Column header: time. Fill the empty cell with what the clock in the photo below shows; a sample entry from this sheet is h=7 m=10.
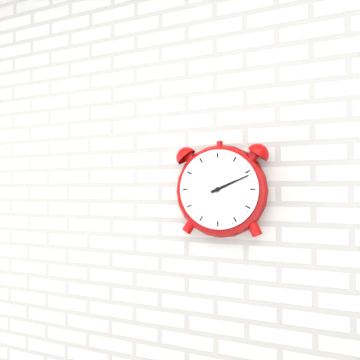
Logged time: h=2 m=11
